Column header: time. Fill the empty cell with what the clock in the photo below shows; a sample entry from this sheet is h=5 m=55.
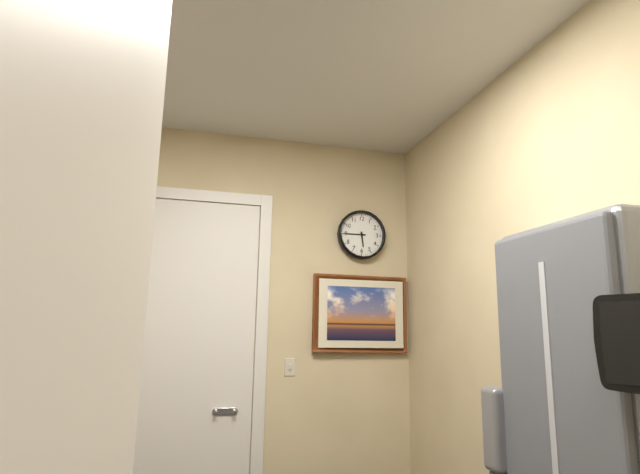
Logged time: h=5 m=45
